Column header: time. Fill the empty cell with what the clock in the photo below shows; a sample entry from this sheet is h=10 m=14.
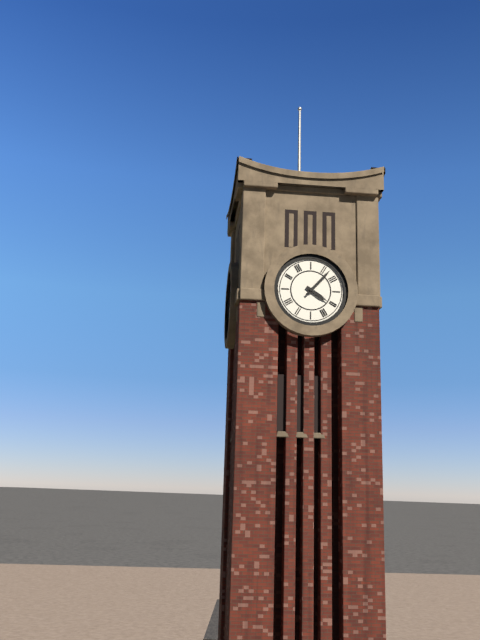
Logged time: h=4 m=7
